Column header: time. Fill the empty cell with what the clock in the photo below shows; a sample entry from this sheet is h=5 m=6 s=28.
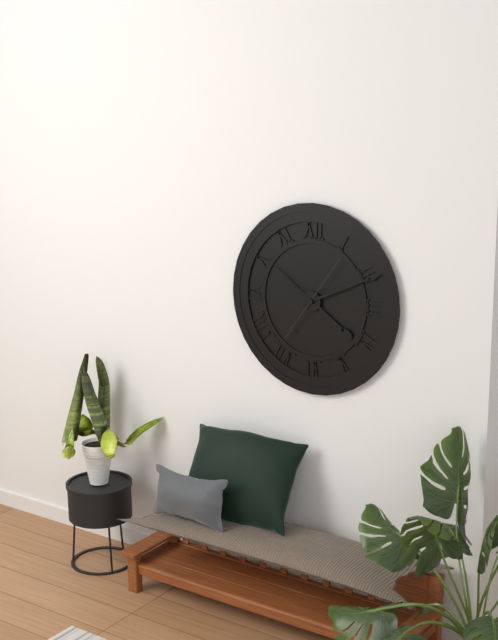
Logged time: h=4 m=11 s=6
